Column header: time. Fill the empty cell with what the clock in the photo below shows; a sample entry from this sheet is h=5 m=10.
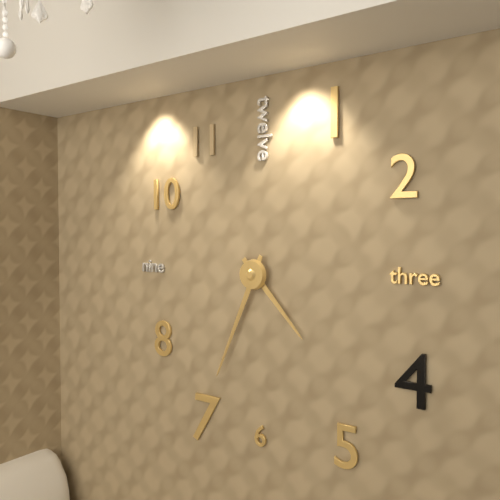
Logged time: h=4 m=34
